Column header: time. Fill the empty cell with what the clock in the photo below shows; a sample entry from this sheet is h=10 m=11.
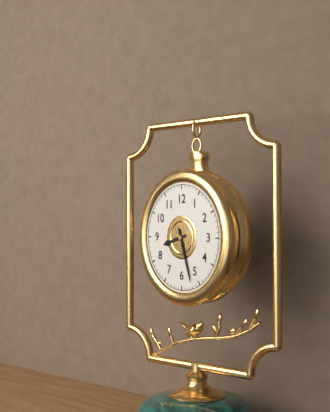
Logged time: h=8 m=27
